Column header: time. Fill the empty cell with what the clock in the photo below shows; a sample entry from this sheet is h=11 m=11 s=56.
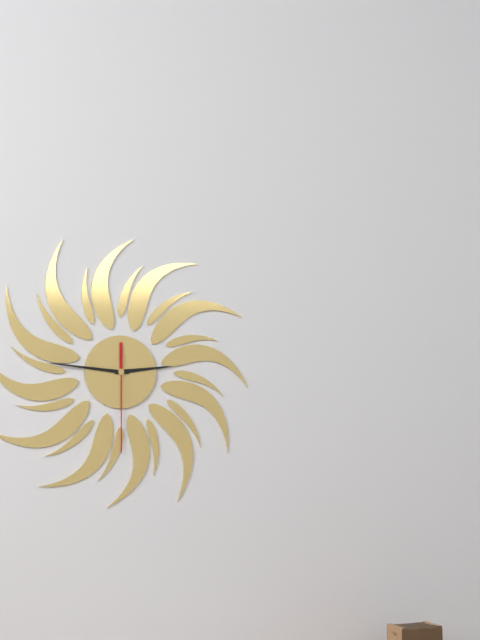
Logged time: h=2 m=46 s=30
